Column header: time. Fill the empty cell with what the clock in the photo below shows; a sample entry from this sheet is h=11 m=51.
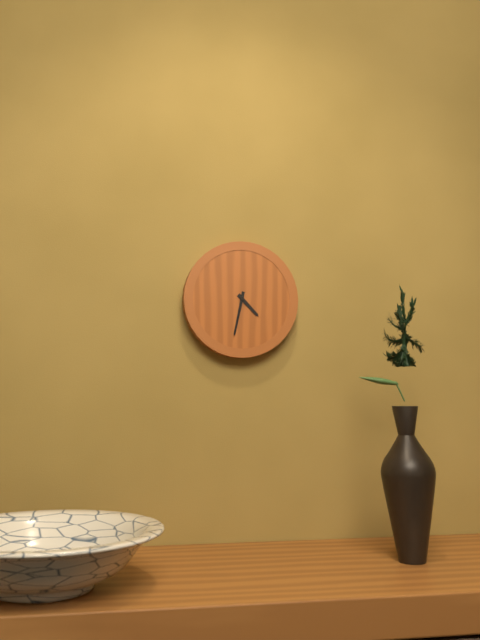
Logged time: h=4 m=32
